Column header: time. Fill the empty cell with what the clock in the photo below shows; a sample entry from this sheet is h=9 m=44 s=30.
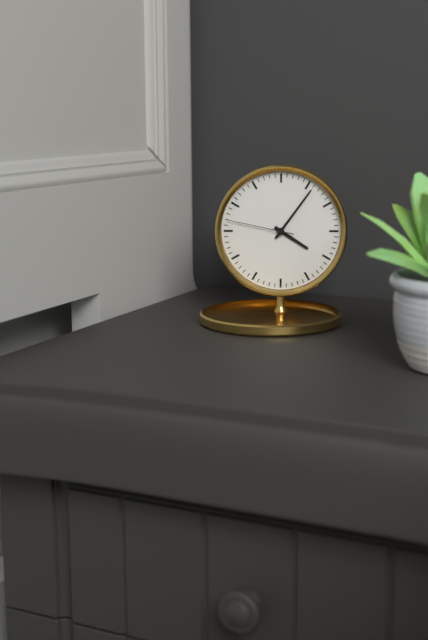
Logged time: h=4 m=6 s=47
